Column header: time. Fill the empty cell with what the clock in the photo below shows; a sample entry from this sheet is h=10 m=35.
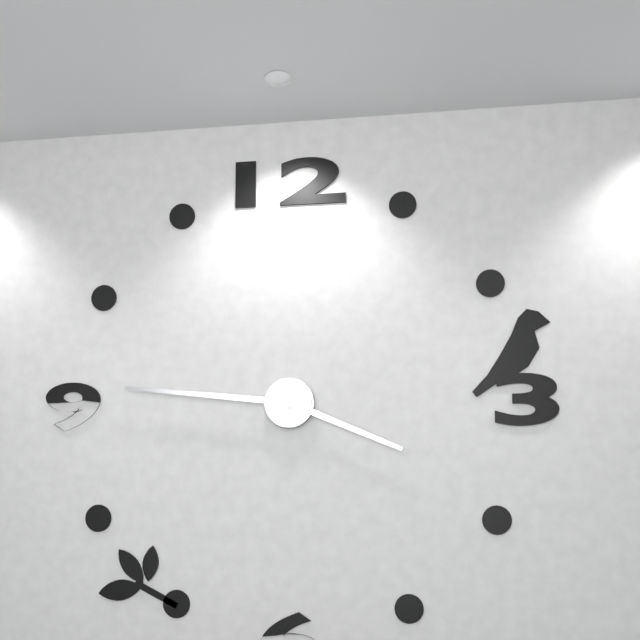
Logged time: h=3 m=46
